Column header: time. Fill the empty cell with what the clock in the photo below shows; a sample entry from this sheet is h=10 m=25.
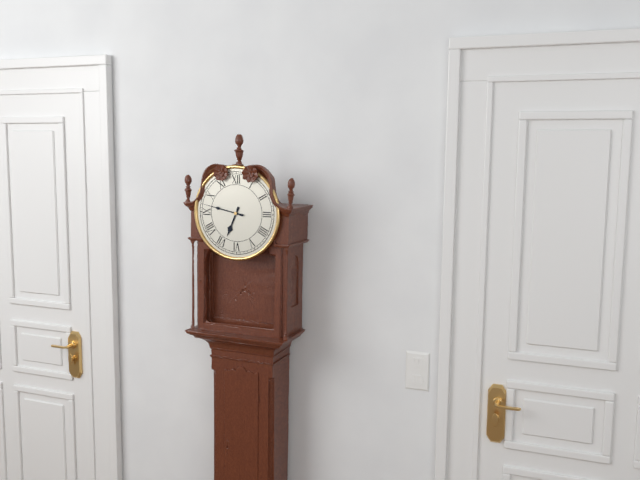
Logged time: h=6 m=47
